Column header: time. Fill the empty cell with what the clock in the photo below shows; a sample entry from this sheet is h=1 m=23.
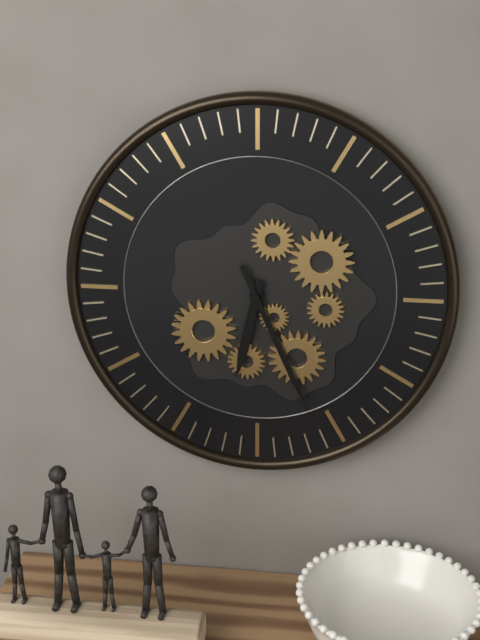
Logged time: h=6 m=26
